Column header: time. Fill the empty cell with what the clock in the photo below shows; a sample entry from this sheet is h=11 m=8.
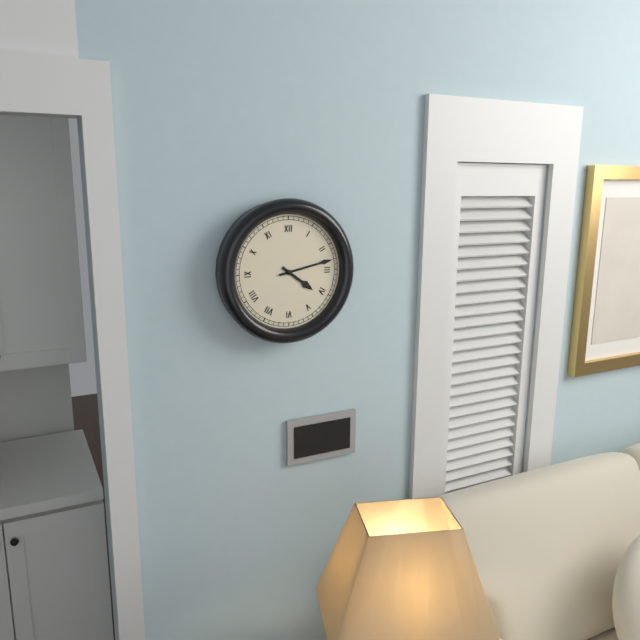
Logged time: h=4 m=13
